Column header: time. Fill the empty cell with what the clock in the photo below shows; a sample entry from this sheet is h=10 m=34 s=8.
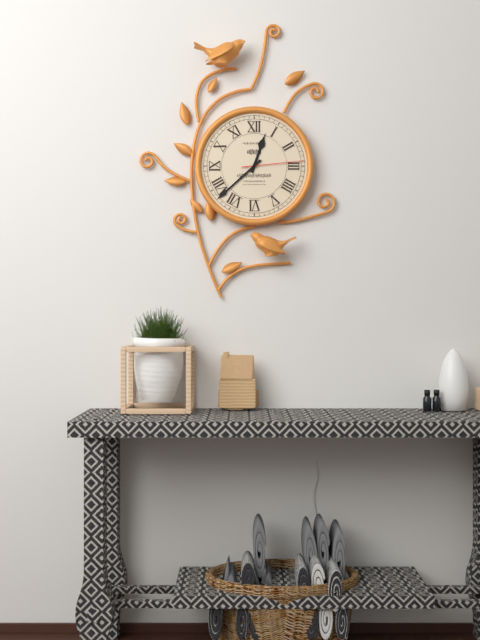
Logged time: h=12 m=38 s=14
